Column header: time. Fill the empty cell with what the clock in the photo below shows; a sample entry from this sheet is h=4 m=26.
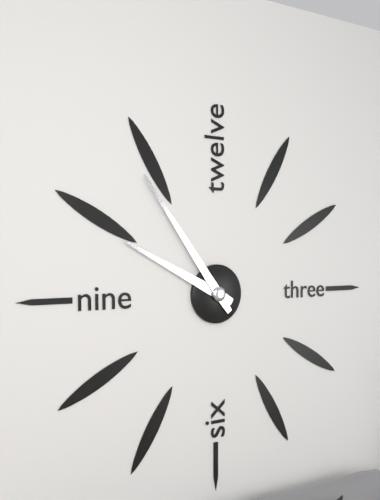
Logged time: h=9 m=54
